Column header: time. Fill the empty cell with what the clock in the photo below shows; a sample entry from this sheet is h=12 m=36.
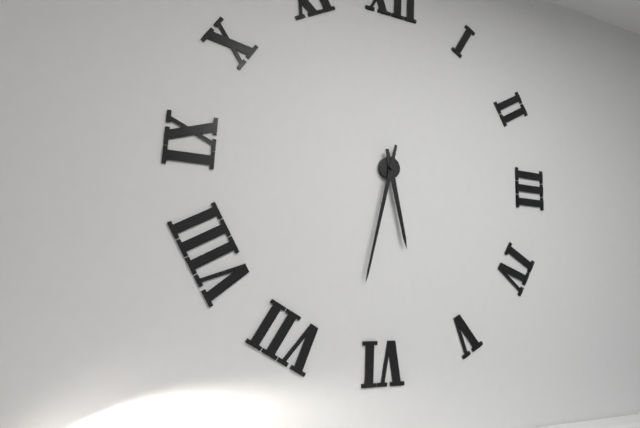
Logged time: h=5 m=32
